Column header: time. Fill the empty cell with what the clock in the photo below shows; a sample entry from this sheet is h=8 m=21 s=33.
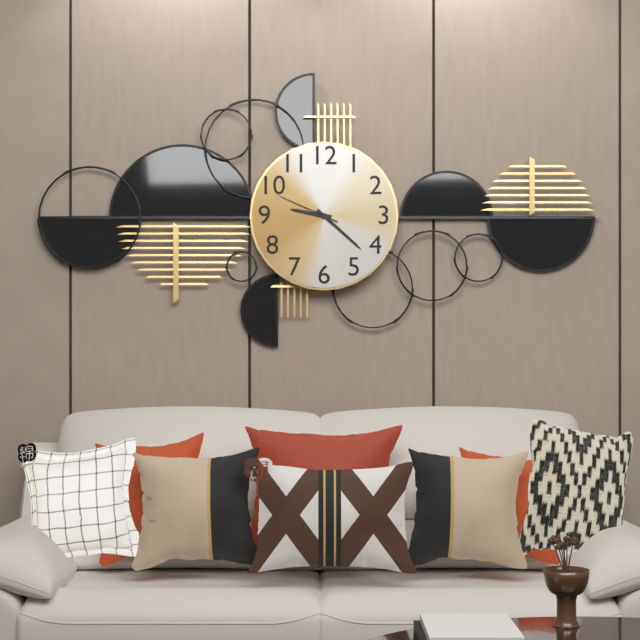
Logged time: h=9 m=22 s=49
